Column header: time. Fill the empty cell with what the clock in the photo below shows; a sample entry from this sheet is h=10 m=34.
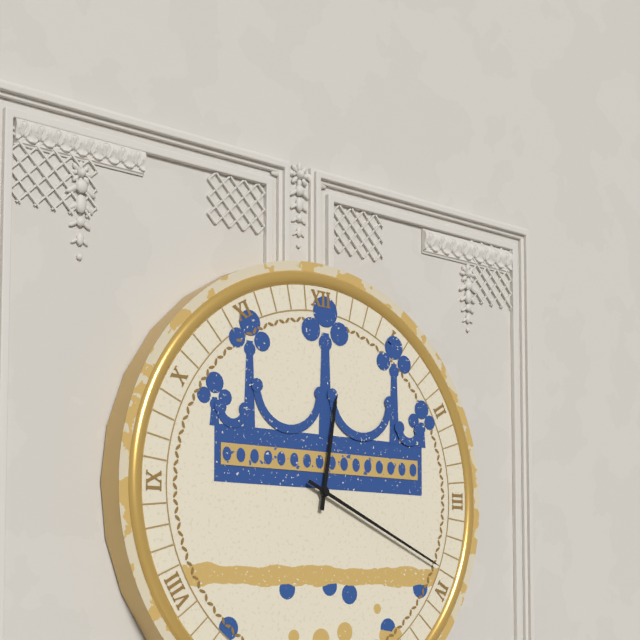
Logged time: h=12 m=19
